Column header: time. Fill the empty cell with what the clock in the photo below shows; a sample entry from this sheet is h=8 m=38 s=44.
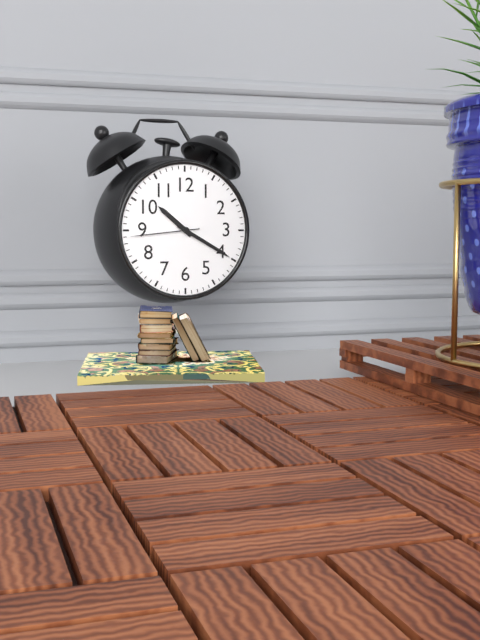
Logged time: h=10 m=20 s=44
